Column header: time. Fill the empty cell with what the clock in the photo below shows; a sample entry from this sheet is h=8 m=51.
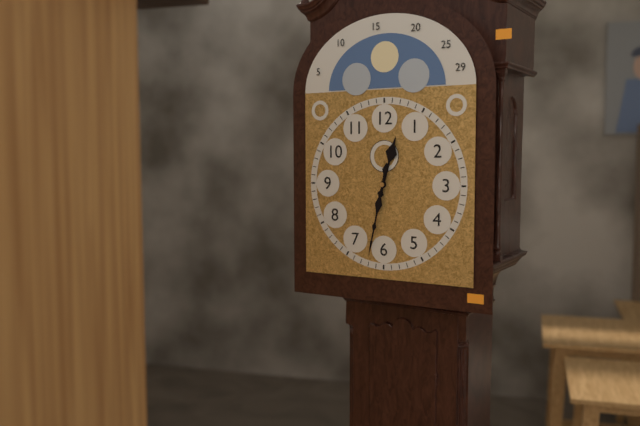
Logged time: h=12 m=32
